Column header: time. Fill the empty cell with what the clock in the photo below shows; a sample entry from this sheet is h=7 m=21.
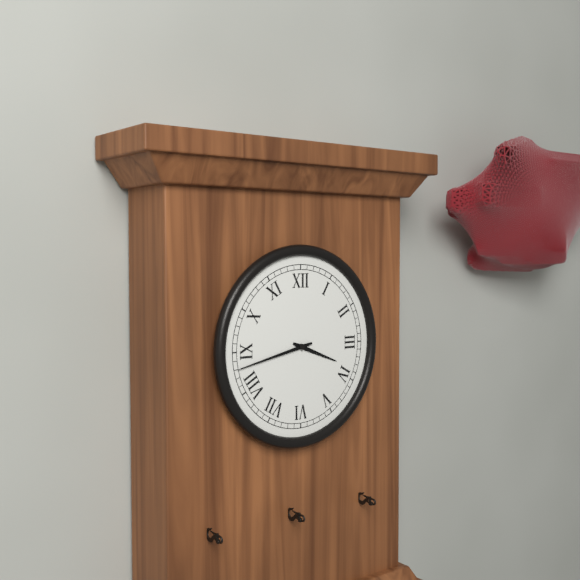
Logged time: h=3 m=43
